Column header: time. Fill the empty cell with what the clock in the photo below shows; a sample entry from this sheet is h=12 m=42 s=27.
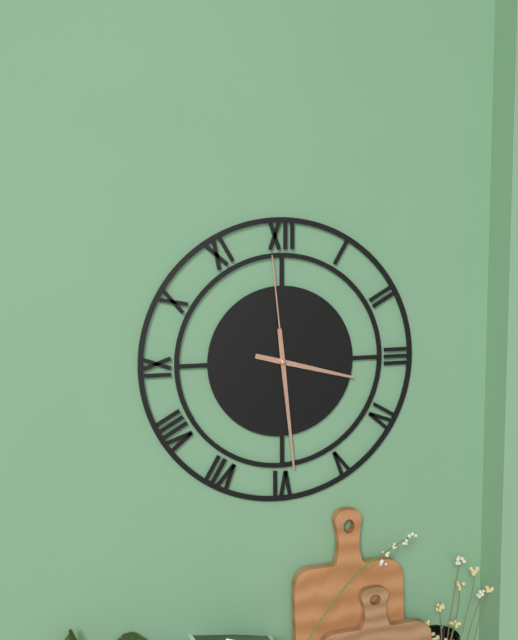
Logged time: h=3 m=29 s=59
